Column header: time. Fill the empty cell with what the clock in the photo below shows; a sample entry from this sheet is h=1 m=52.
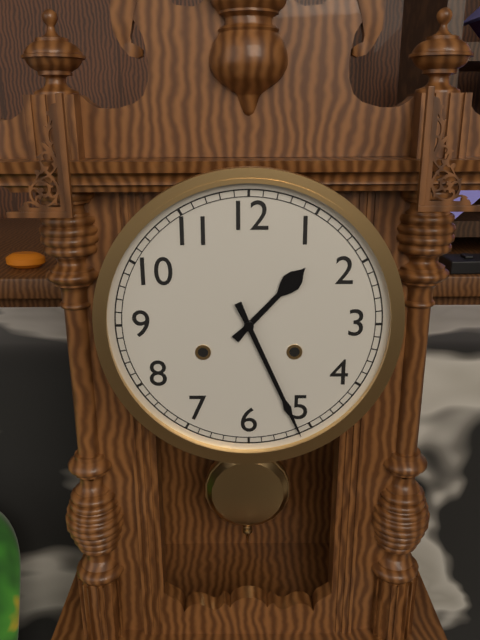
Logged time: h=1 m=26
